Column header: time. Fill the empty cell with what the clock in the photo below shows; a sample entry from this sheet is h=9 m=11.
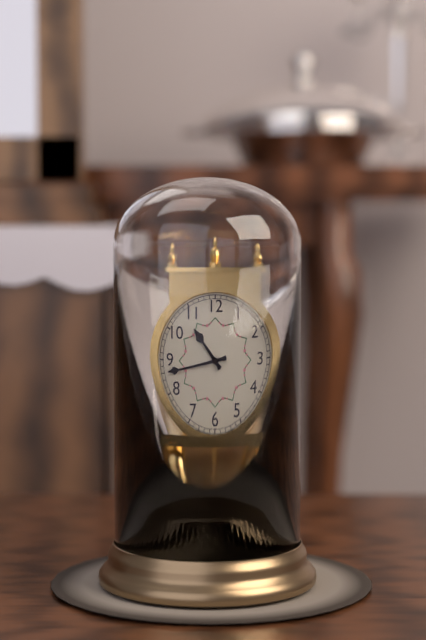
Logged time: h=10 m=43
